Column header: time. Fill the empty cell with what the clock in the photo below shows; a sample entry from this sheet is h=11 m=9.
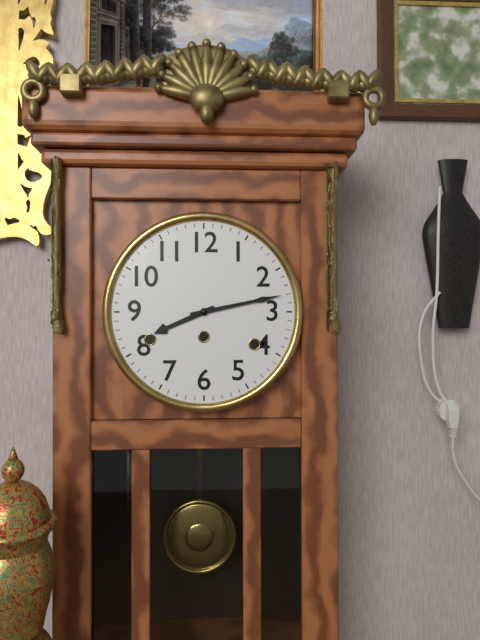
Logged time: h=8 m=13
